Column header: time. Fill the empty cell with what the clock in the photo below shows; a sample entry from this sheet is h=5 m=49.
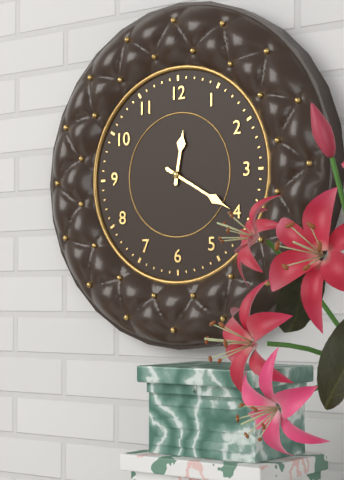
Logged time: h=12 m=20
